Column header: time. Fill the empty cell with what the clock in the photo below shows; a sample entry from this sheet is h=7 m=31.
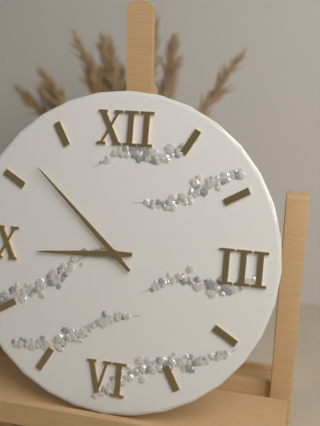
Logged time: h=8 m=52
